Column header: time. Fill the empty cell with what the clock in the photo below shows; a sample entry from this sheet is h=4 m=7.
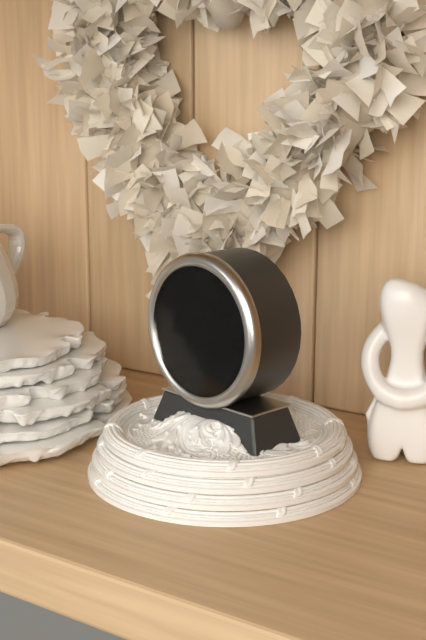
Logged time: h=3 m=35
